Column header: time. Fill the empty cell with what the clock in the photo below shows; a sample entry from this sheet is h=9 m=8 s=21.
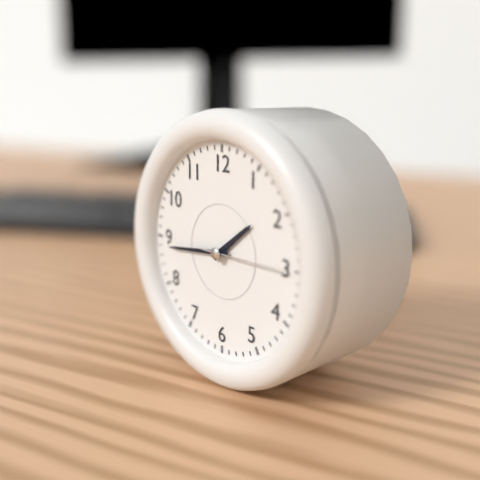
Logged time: h=1 m=44 s=15
